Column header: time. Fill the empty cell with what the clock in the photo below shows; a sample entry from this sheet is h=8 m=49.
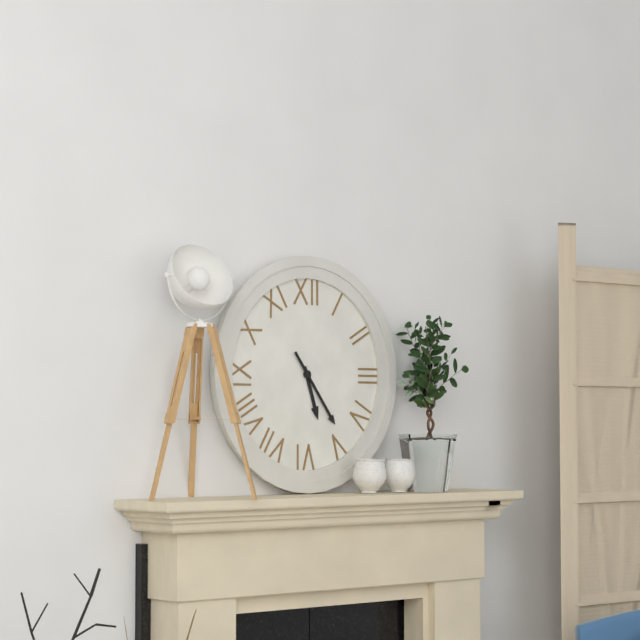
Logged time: h=5 m=24
